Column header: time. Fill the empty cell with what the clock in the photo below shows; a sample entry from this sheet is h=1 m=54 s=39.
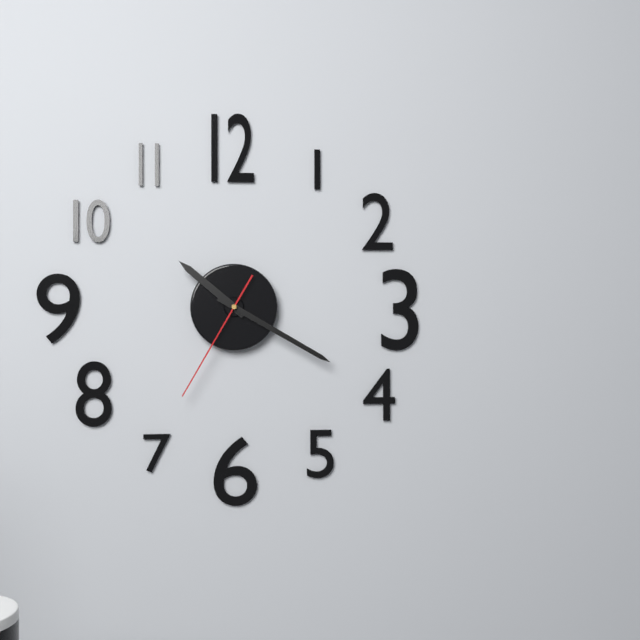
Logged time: h=10 m=20 s=35
